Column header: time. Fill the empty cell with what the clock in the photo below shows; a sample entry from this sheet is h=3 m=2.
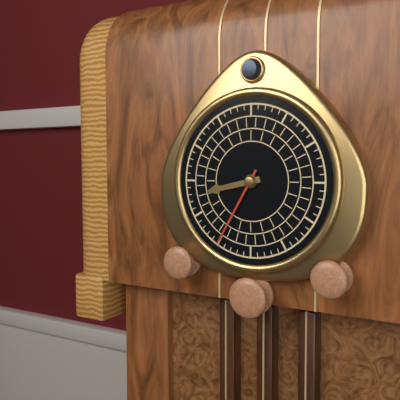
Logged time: h=8 m=35
